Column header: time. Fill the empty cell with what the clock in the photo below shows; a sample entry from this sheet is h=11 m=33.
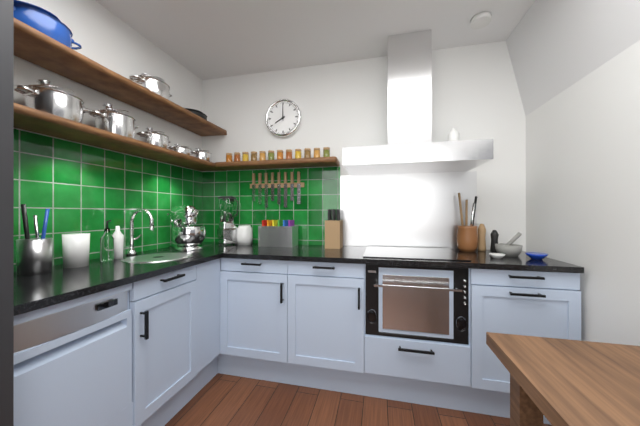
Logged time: h=8 m=0
